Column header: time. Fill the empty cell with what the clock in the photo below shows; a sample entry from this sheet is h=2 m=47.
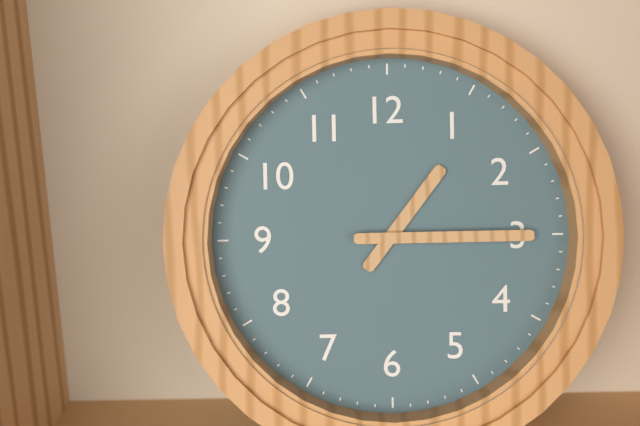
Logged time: h=1 m=15
